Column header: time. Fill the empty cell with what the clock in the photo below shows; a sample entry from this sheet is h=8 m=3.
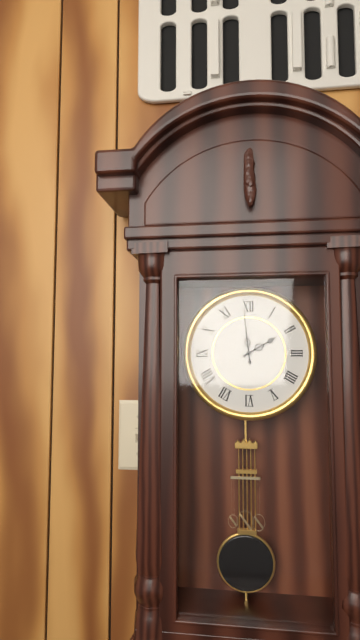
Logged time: h=1 m=59
